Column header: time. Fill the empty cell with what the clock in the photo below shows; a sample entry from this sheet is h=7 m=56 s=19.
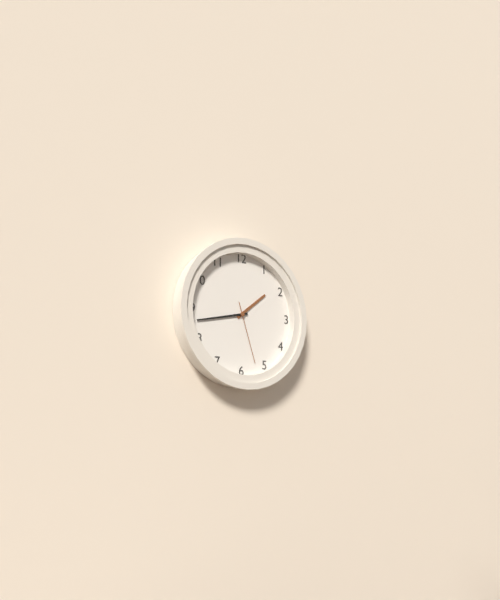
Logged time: h=1 m=43 s=27
